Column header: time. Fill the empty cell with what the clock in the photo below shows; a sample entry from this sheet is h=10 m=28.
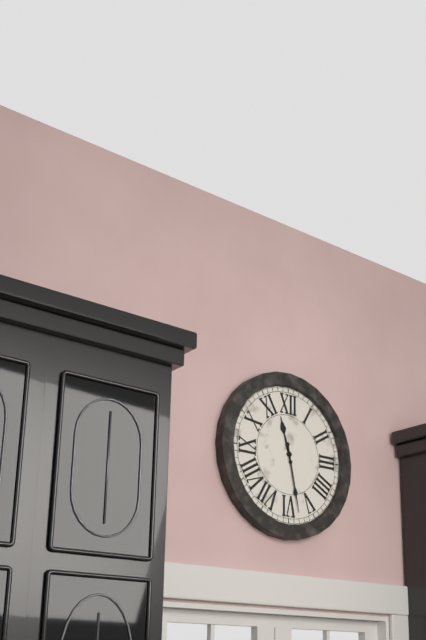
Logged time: h=11 m=28
